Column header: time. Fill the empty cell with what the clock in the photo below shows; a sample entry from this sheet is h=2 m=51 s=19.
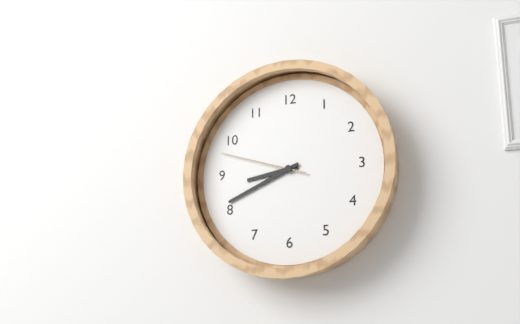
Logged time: h=8 m=41 s=48
